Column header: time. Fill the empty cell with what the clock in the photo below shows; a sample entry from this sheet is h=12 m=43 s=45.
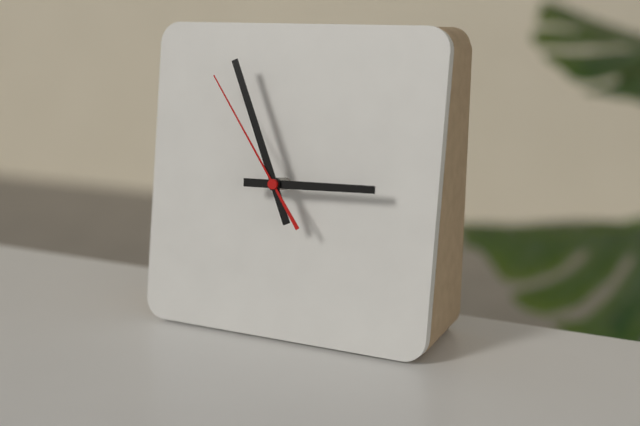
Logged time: h=2 m=56 s=54
